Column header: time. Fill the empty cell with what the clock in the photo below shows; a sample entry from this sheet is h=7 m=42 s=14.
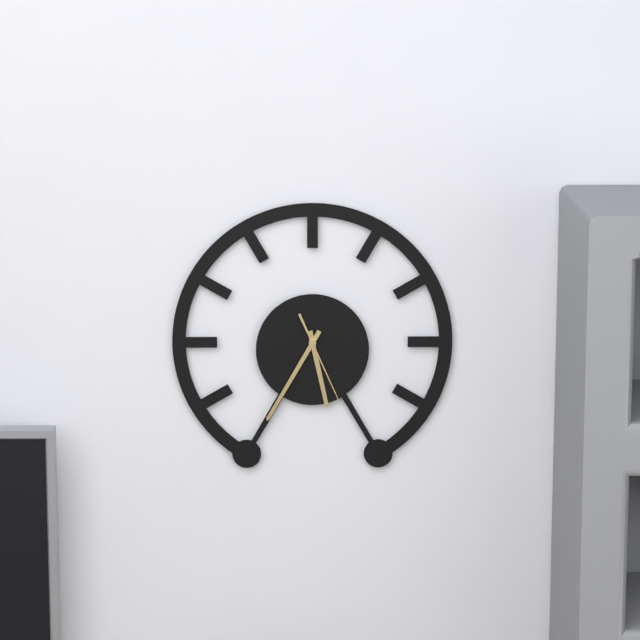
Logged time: h=5 m=35 s=26
